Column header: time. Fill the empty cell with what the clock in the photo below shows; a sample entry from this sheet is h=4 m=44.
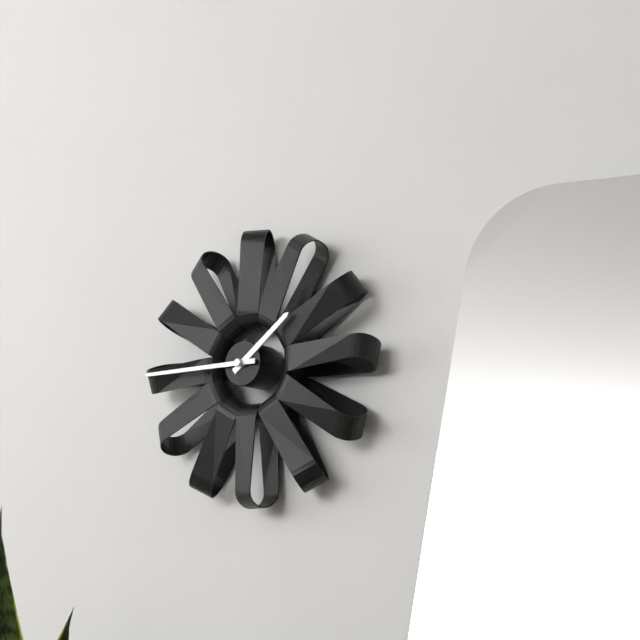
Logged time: h=1 m=45
